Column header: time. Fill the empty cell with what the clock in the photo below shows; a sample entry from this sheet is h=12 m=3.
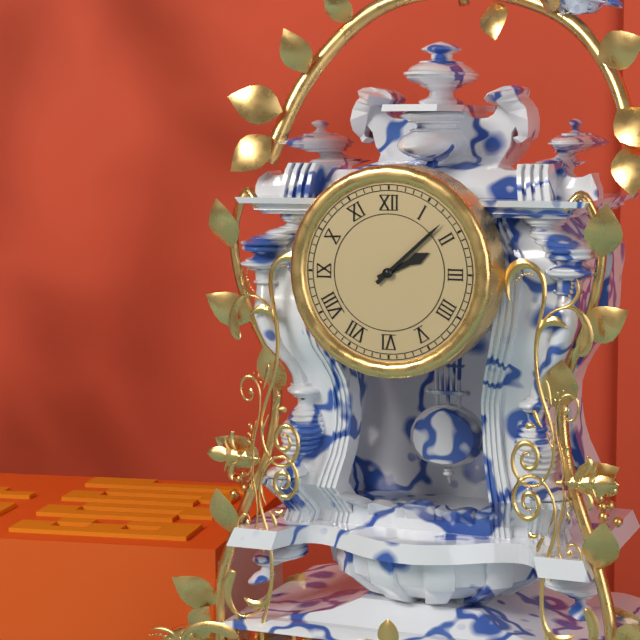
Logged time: h=2 m=8
